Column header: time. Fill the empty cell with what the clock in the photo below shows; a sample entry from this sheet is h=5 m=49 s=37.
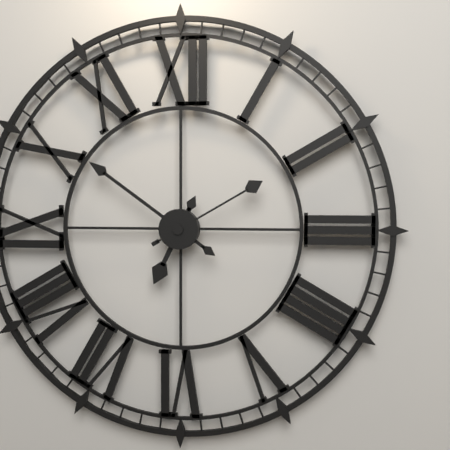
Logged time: h=6 m=51 s=10
